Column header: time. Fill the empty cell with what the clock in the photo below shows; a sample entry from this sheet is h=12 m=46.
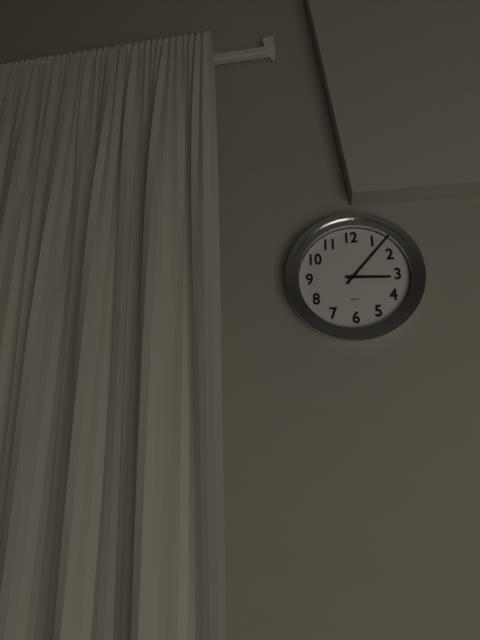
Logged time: h=3 m=7
